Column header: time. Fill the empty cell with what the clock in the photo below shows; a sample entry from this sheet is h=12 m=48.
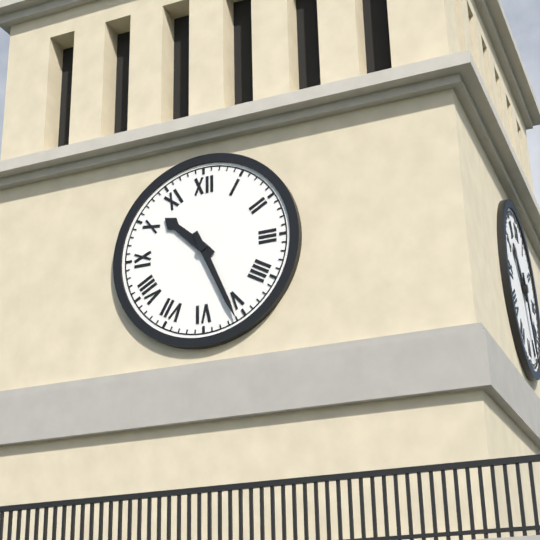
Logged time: h=10 m=26
